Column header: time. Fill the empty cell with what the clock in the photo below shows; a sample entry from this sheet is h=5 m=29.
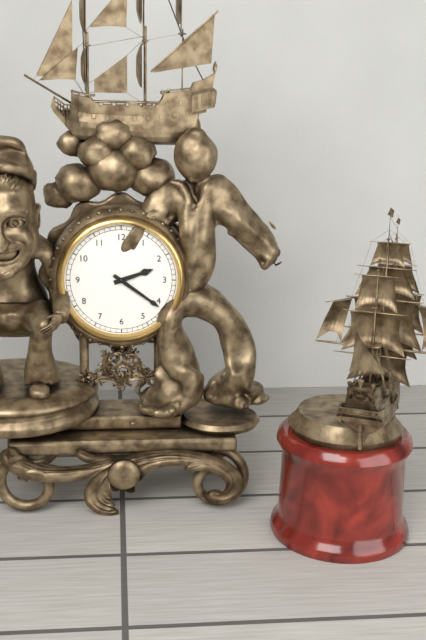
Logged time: h=2 m=21
